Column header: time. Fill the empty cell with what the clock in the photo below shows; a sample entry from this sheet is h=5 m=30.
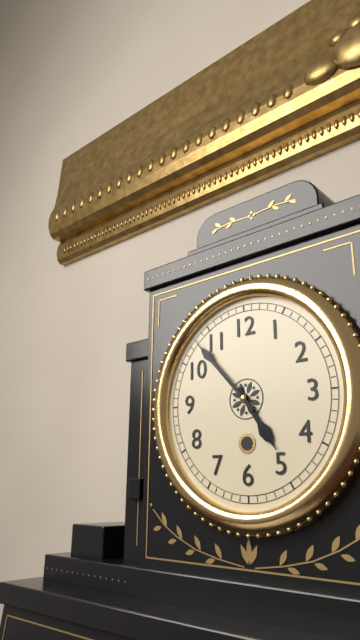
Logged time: h=4 m=53
